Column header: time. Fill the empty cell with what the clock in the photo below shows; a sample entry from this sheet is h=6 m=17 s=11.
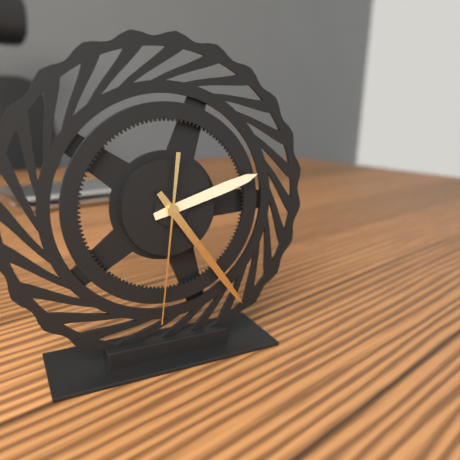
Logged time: h=2 m=24 s=31
